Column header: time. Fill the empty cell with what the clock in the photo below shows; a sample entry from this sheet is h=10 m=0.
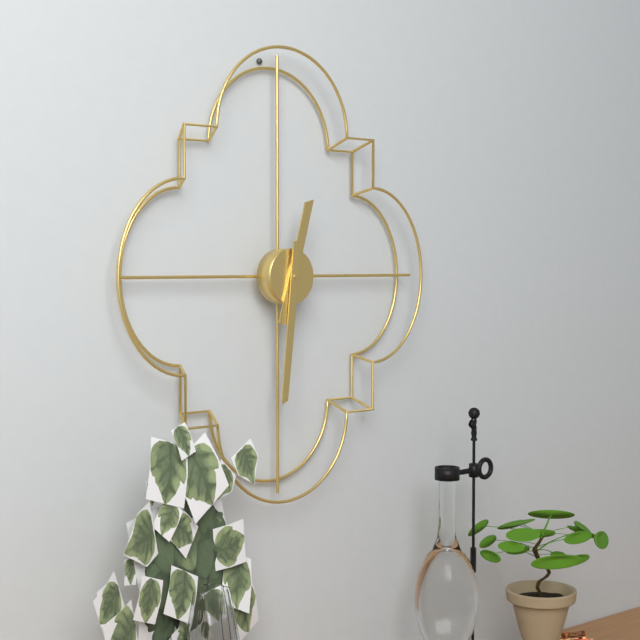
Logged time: h=12 m=31
